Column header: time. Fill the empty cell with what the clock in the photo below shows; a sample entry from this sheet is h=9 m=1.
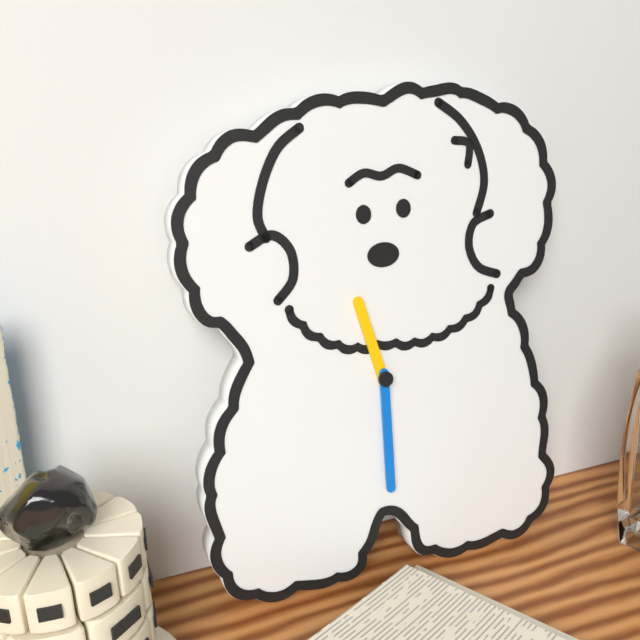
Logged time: h=11 m=30
